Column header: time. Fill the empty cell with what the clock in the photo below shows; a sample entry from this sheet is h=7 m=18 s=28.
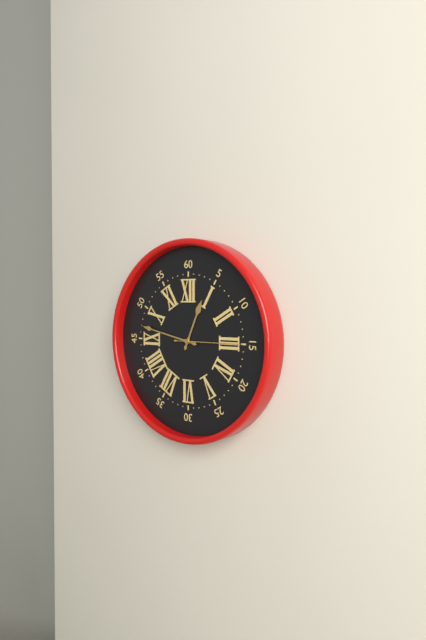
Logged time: h=12 m=47 s=15
